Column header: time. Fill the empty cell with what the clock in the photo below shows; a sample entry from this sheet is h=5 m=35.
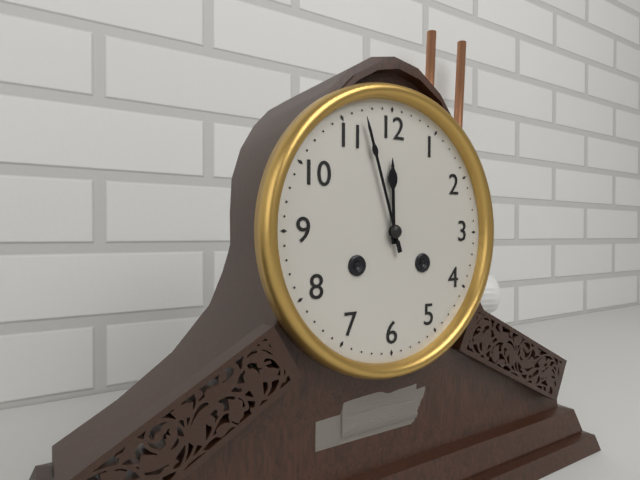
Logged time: h=11 m=57
